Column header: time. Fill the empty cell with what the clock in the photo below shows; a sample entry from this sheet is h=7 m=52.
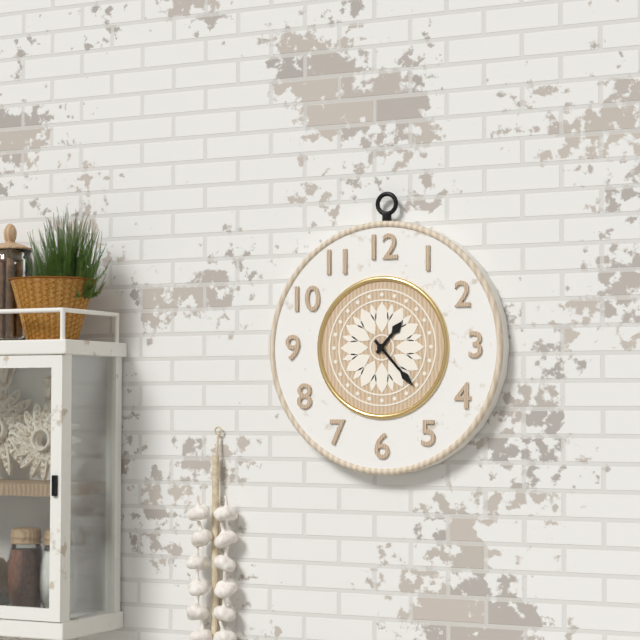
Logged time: h=1 m=23
